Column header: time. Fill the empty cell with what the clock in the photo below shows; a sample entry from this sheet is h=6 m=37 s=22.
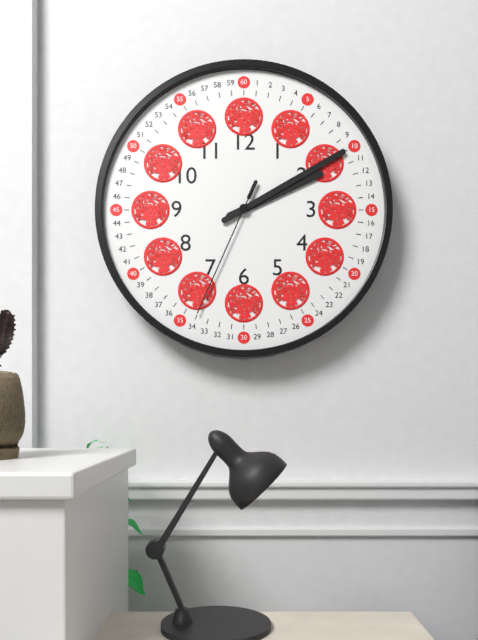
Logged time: h=2 m=10 s=34
